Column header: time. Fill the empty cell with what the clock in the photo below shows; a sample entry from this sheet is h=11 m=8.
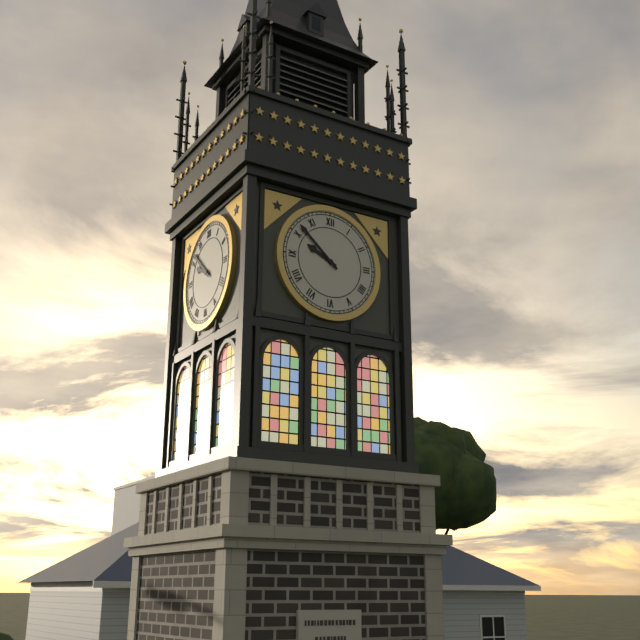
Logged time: h=9 m=52
